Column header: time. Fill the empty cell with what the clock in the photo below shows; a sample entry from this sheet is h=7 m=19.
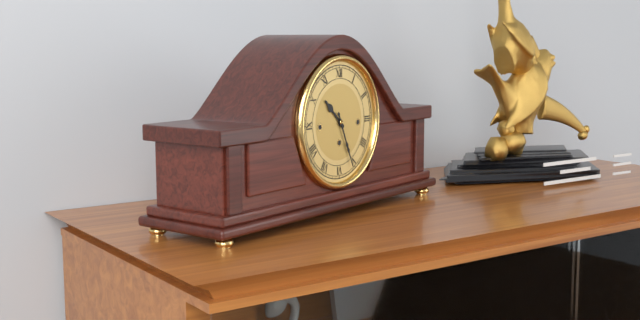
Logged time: h=10 m=26
